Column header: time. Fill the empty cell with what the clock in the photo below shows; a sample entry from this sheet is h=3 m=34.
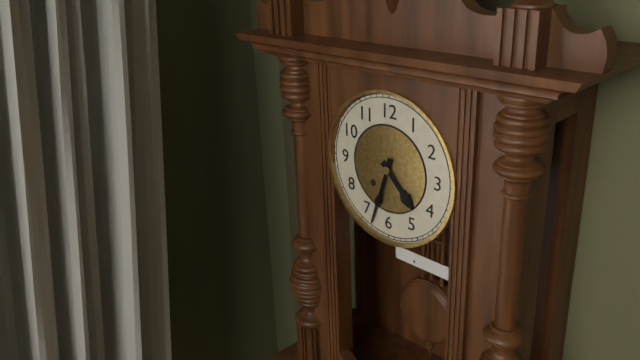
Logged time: h=4 m=33
